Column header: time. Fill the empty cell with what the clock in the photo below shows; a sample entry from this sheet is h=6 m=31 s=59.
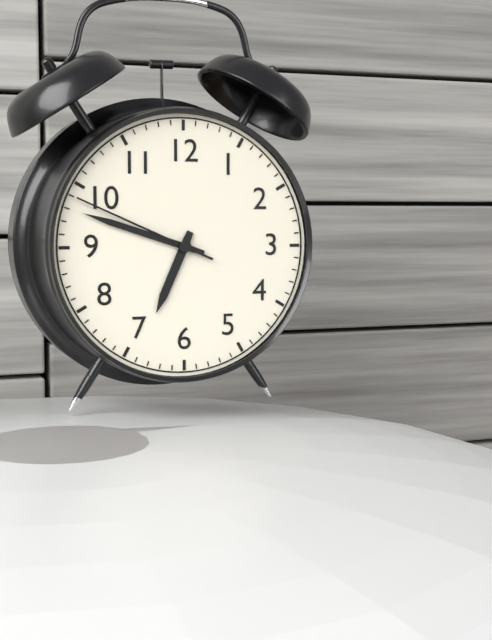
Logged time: h=6 m=48 s=49
